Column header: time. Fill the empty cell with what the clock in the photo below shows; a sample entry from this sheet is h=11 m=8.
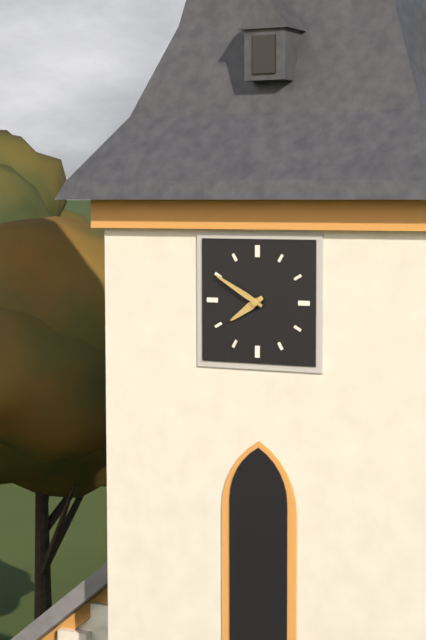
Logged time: h=7 m=50
